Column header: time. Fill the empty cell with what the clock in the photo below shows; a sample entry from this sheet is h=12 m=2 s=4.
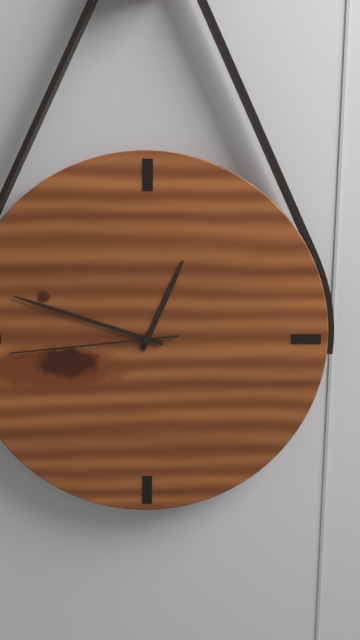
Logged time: h=12 m=48 s=44
